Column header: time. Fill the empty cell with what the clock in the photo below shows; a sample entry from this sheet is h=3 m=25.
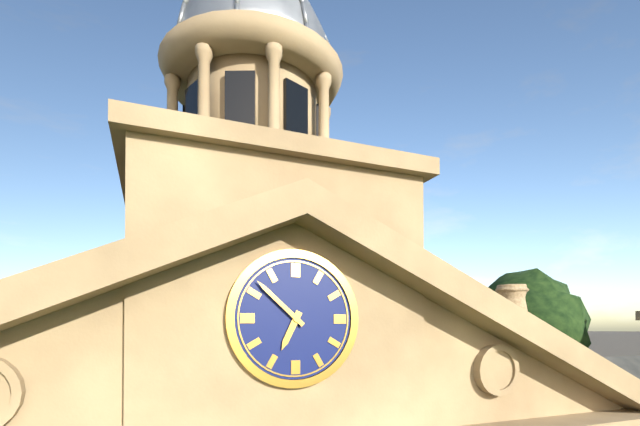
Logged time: h=6 m=52
